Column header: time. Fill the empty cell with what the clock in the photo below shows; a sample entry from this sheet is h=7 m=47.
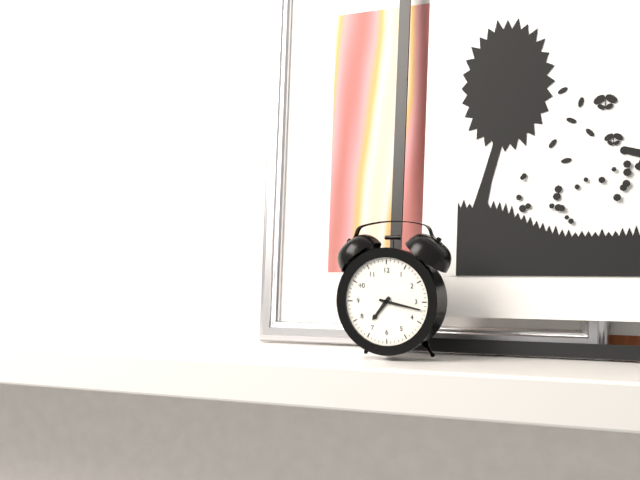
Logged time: h=7 m=17
